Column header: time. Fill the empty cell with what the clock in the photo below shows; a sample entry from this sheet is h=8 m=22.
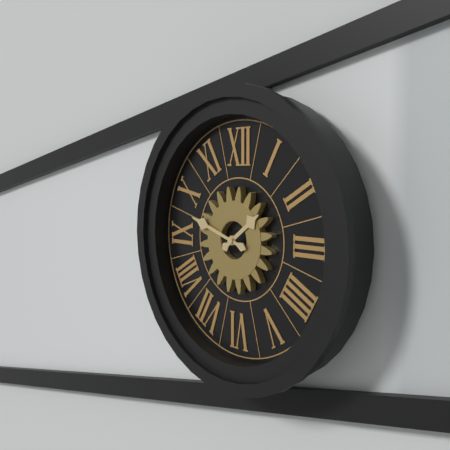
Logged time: h=1 m=48
